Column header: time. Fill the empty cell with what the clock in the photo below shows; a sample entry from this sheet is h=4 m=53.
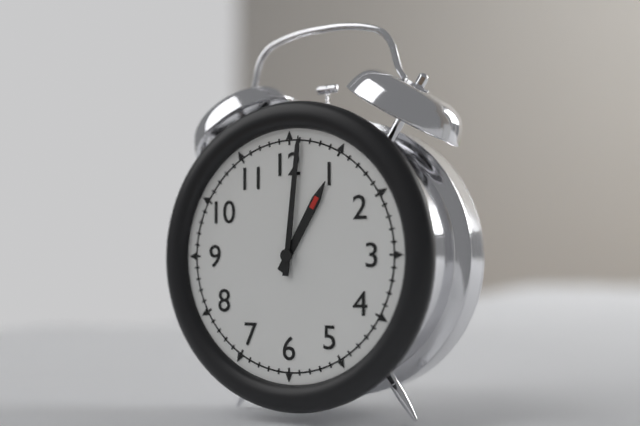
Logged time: h=1 m=1
